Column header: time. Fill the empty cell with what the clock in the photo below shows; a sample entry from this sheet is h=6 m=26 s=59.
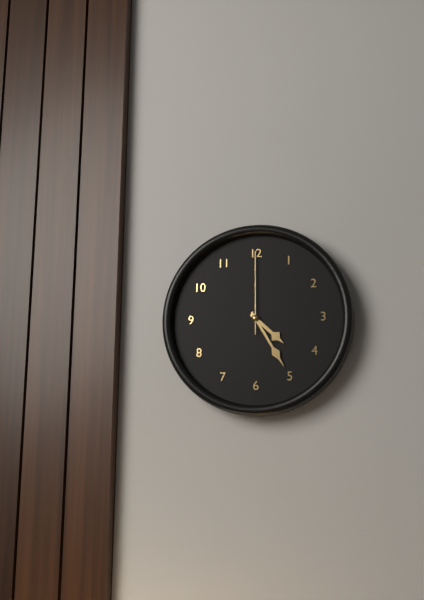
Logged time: h=4 m=25 s=0
